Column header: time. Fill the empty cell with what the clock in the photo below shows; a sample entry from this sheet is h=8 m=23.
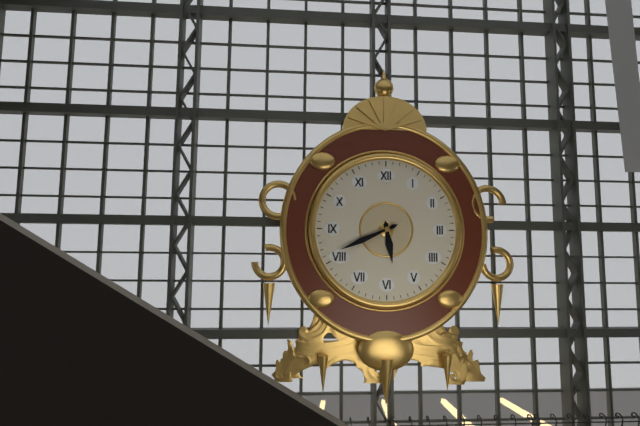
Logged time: h=5 m=41
